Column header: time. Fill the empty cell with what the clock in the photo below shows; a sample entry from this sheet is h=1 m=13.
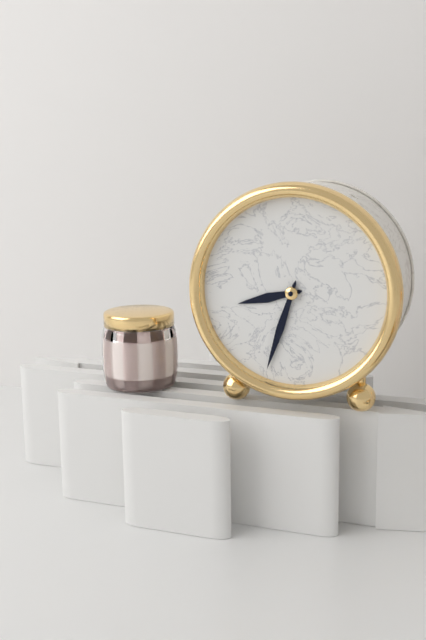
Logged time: h=8 m=33
